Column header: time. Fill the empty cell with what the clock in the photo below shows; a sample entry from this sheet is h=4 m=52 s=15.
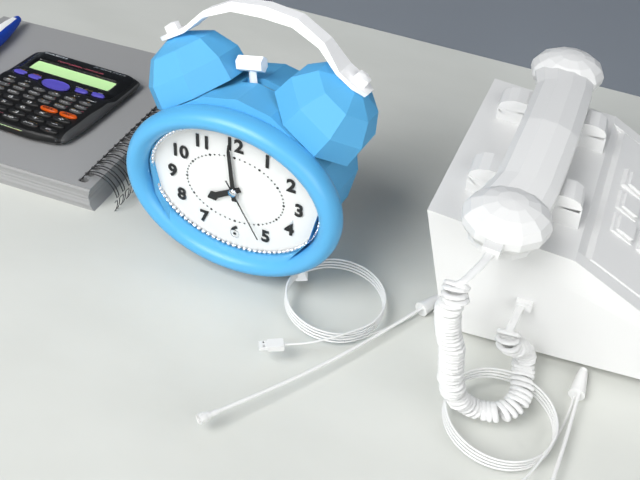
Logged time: h=7 m=59 s=25
